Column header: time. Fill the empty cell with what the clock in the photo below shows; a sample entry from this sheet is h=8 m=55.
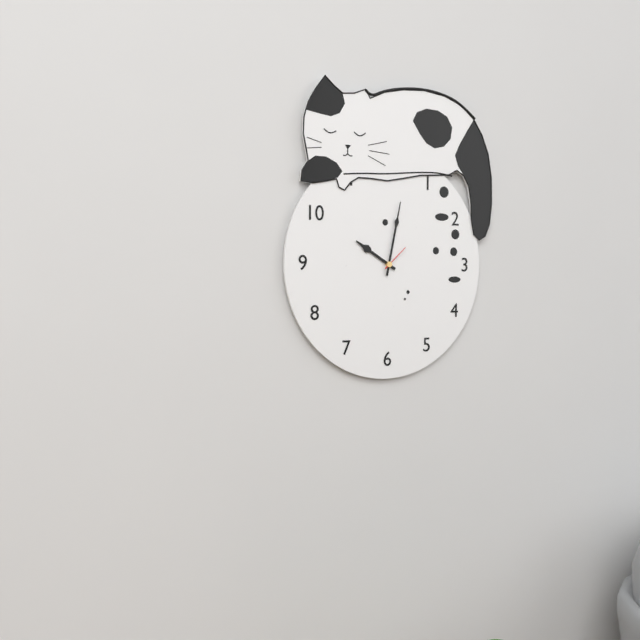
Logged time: h=10 m=2
